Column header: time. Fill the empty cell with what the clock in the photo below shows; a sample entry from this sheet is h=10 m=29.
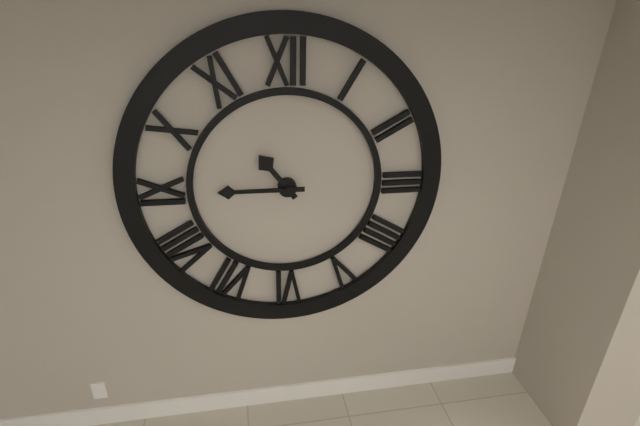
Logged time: h=10 m=45
